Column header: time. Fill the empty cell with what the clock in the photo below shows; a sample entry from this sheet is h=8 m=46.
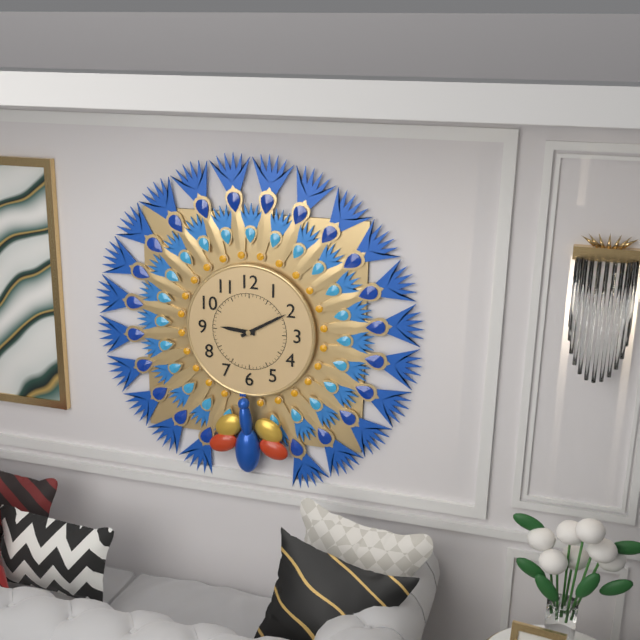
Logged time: h=9 m=10
